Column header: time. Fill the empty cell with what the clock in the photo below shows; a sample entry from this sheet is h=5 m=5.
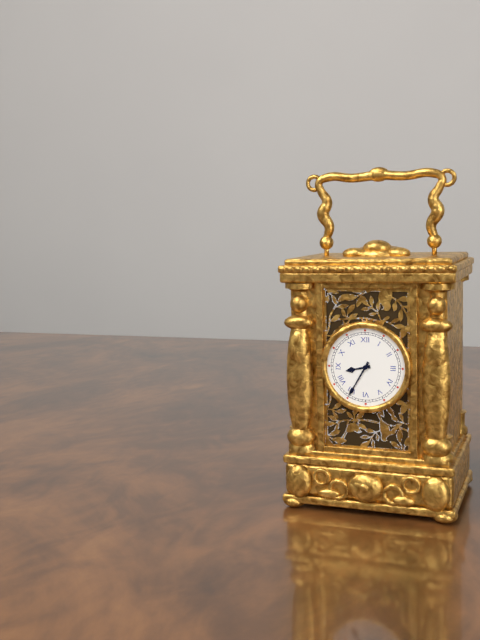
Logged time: h=8 m=35
